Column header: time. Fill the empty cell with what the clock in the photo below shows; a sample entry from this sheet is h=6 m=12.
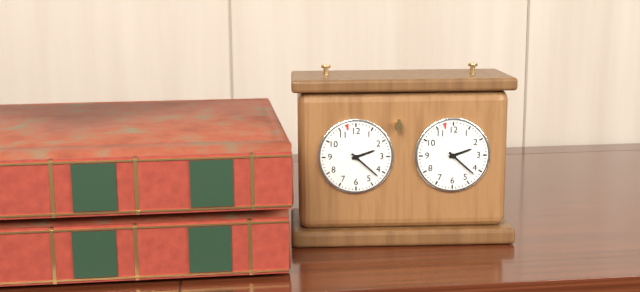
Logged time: h=2 m=22
